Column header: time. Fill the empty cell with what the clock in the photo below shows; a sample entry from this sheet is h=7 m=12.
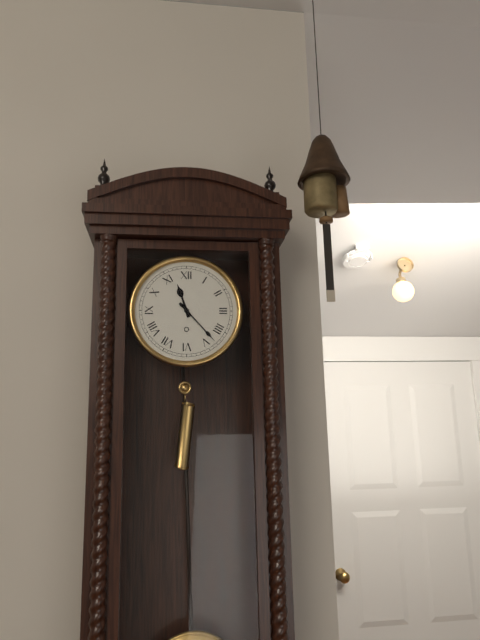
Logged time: h=11 m=23
